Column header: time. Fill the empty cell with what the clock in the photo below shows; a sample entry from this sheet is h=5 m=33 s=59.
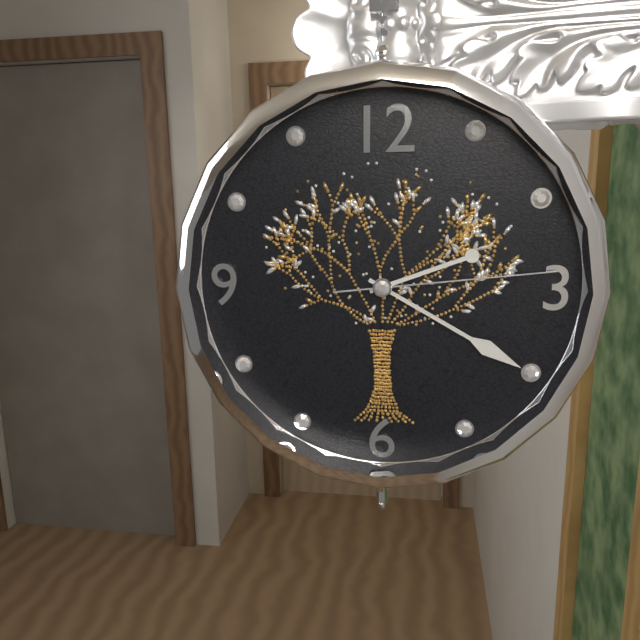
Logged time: h=2 m=20 s=14
